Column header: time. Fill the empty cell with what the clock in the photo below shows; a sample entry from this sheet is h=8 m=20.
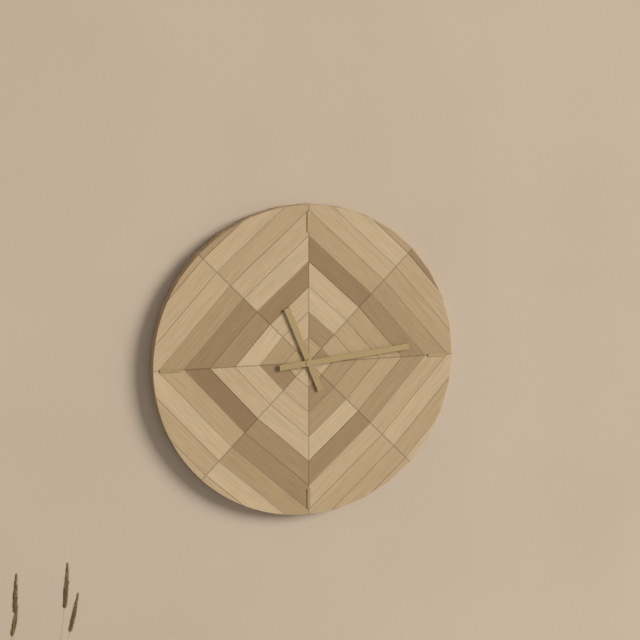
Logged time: h=11 m=14
